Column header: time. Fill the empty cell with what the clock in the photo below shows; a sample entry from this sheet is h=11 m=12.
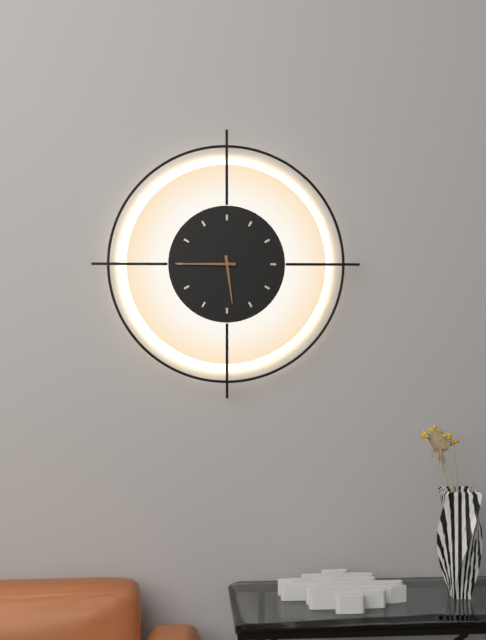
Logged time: h=5 m=45
